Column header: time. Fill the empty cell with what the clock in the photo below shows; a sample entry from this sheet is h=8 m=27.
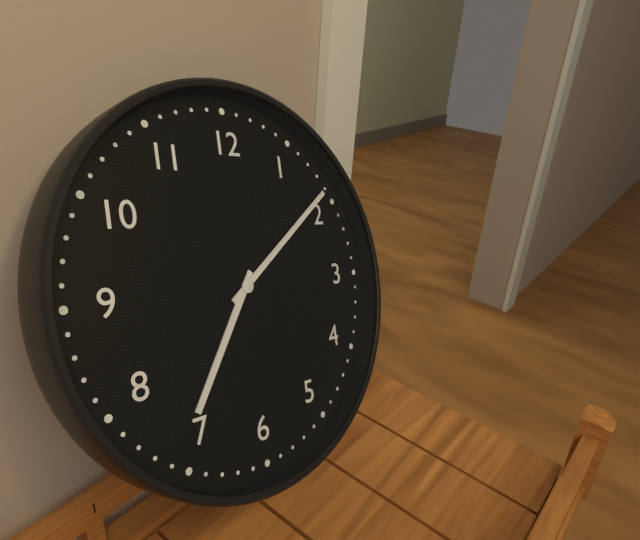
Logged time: h=7 m=9
